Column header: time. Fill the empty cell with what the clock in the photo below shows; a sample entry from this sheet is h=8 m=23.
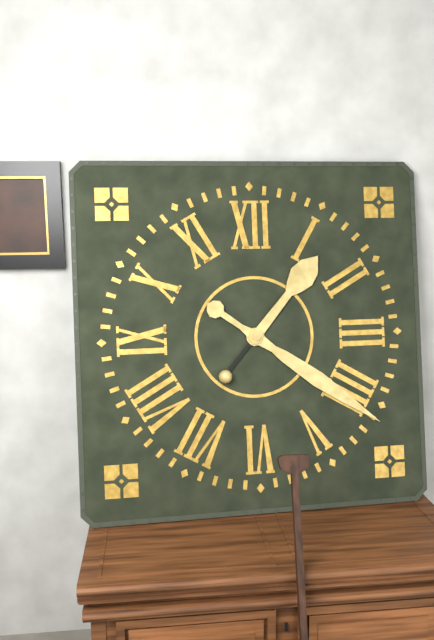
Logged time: h=1 m=21
